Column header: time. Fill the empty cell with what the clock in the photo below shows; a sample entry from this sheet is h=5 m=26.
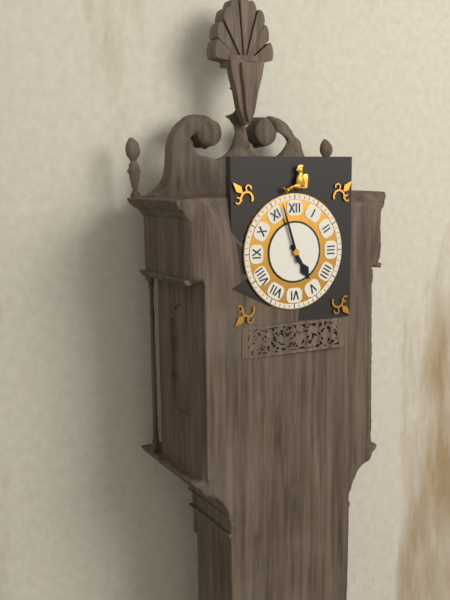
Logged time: h=4 m=57
